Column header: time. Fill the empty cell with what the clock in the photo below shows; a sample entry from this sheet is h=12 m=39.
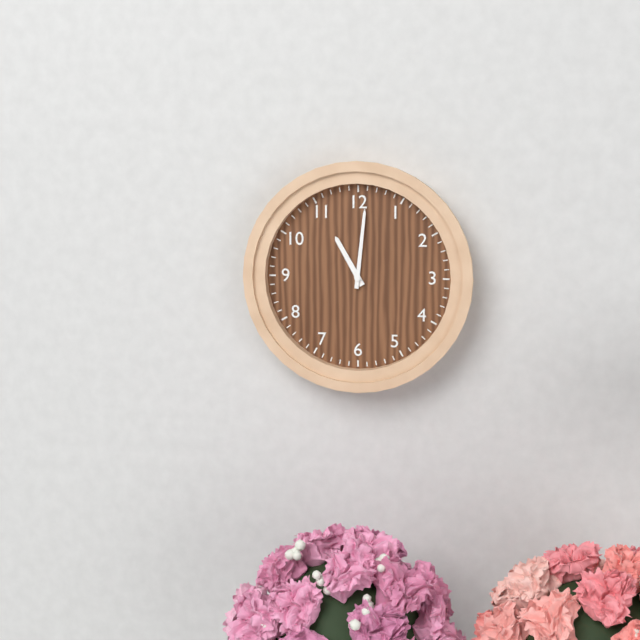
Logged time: h=11 m=1
